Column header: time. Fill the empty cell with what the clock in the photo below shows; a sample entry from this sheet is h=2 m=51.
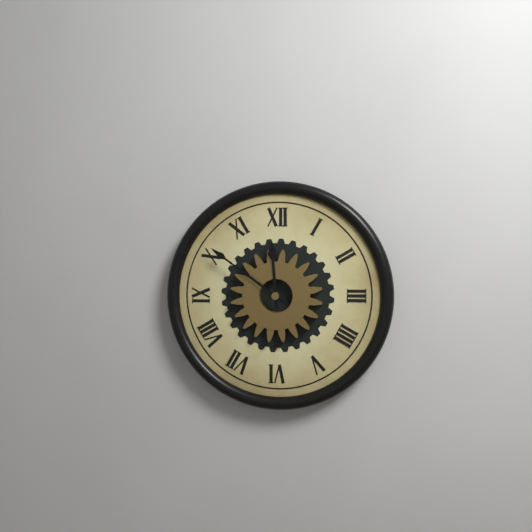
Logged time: h=11 m=51
